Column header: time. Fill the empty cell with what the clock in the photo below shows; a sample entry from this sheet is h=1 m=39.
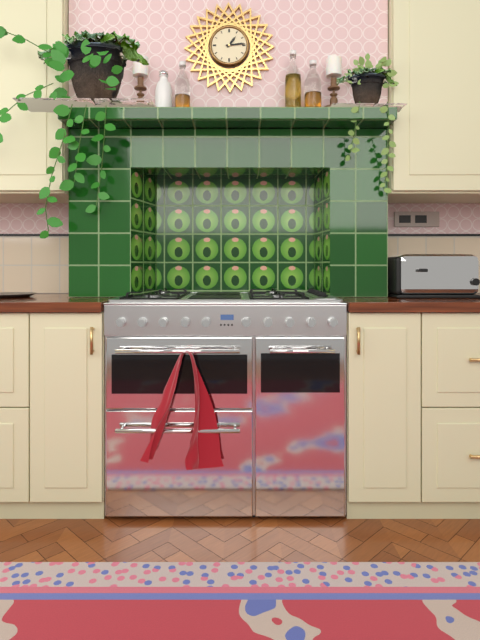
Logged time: h=1 m=14
